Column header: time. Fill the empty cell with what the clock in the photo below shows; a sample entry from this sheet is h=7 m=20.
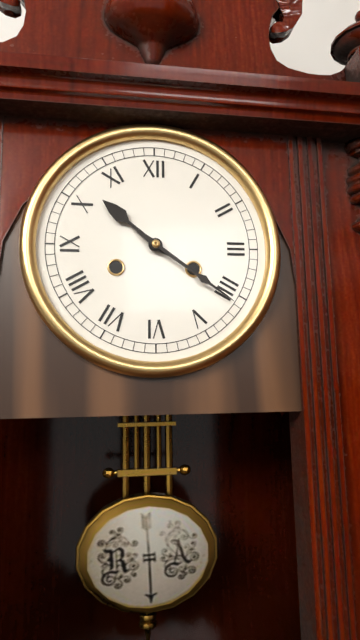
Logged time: h=10 m=21
